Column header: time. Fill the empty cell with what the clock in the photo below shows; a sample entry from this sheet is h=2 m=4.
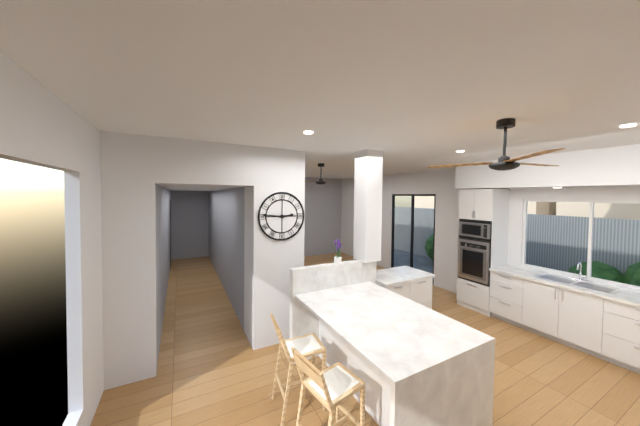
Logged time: h=2 m=46
